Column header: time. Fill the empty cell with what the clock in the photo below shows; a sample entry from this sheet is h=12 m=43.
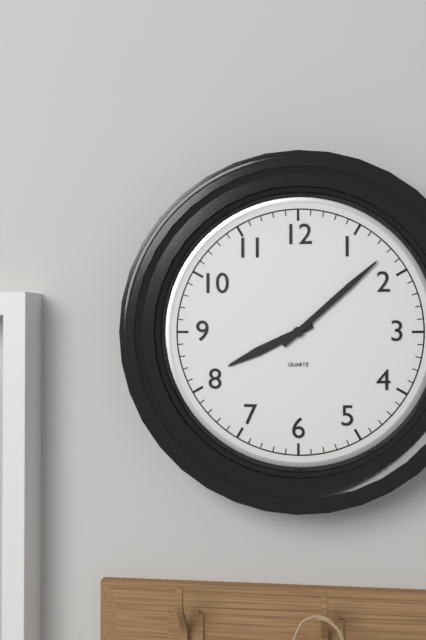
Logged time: h=8 m=8
